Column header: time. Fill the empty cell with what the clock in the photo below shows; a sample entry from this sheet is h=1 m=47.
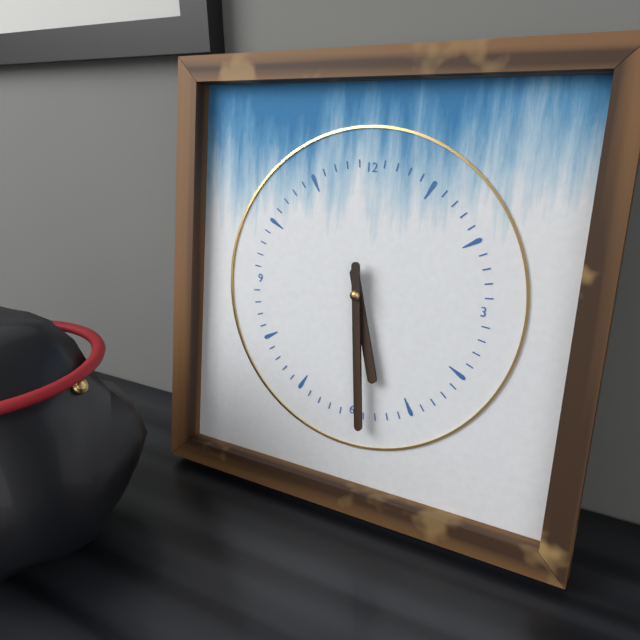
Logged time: h=5 m=29
